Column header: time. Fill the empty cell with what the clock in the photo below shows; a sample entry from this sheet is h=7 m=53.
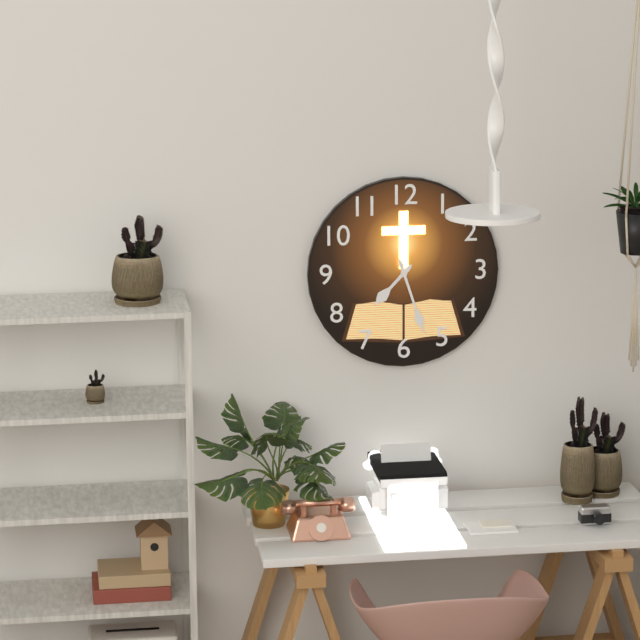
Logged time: h=7 m=27
